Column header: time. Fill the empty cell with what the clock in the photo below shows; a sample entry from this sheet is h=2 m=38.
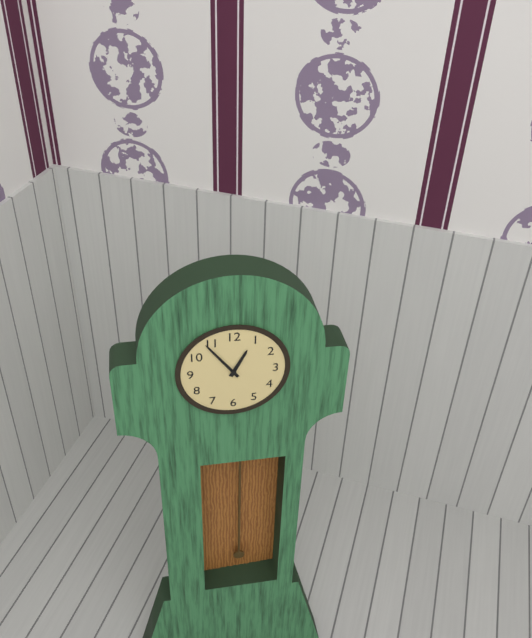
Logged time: h=12 m=54
